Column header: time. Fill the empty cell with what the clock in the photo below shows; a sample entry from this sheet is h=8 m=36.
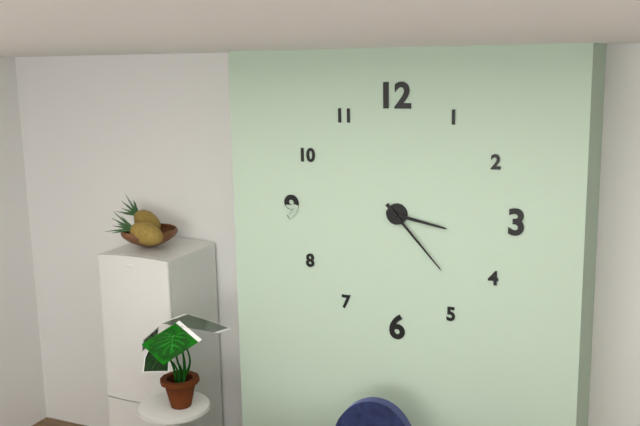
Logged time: h=3 m=23
